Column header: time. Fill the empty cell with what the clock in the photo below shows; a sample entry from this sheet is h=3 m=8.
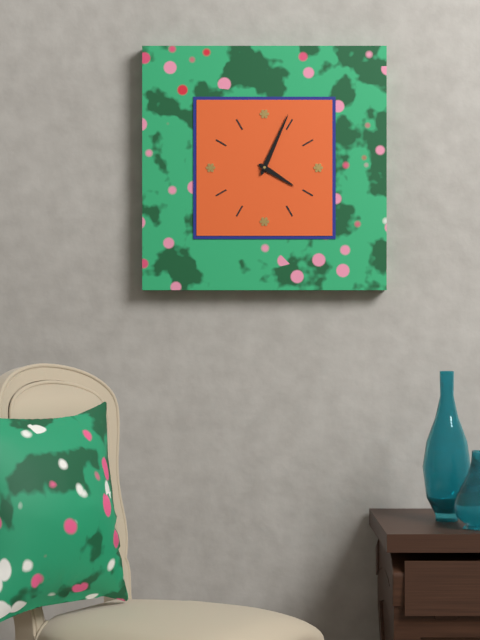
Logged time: h=4 m=4
